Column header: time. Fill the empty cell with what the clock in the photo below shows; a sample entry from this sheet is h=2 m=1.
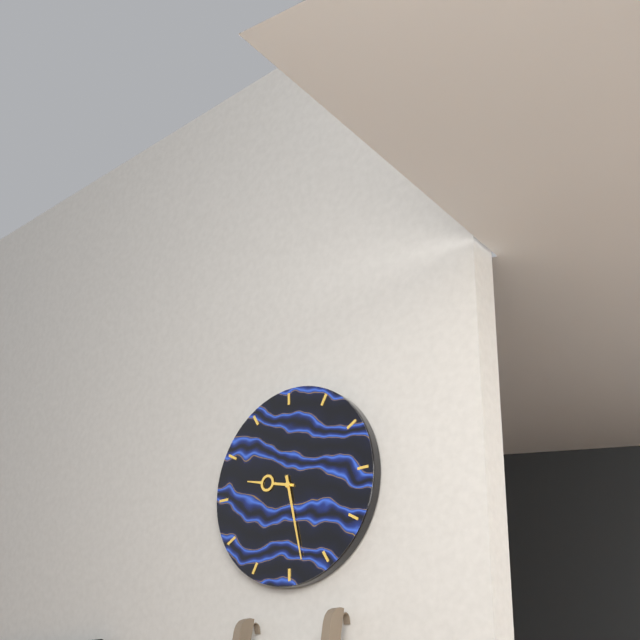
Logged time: h=9 m=28
